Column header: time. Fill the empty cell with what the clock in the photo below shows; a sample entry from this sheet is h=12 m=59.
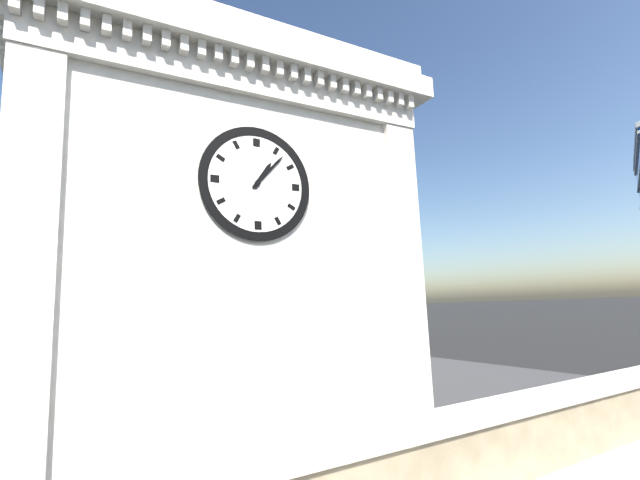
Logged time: h=1 m=7
